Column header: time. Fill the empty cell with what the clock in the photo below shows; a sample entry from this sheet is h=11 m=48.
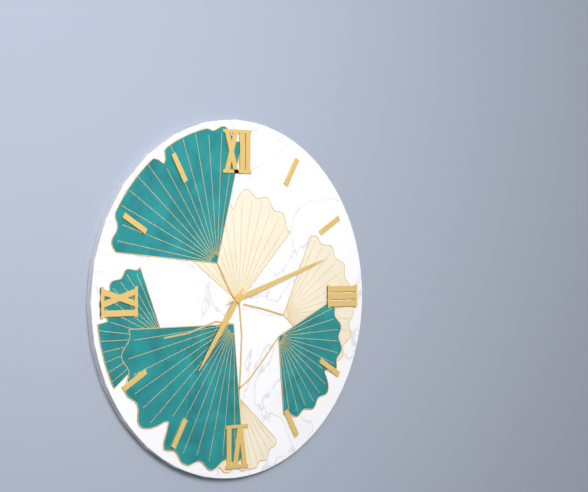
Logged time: h=7 m=12
